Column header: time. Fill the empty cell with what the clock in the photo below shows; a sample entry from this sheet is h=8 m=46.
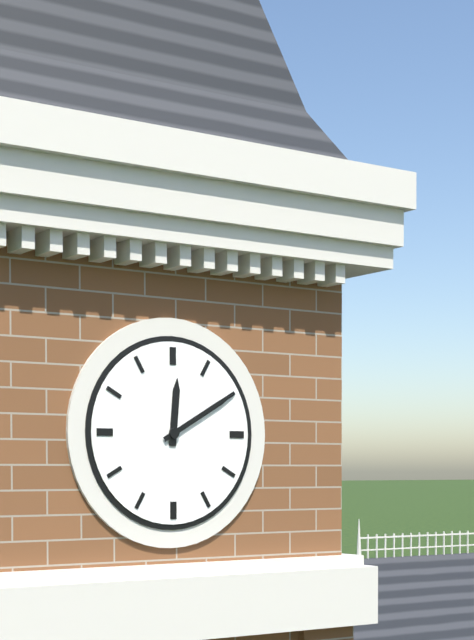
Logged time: h=12 m=10
